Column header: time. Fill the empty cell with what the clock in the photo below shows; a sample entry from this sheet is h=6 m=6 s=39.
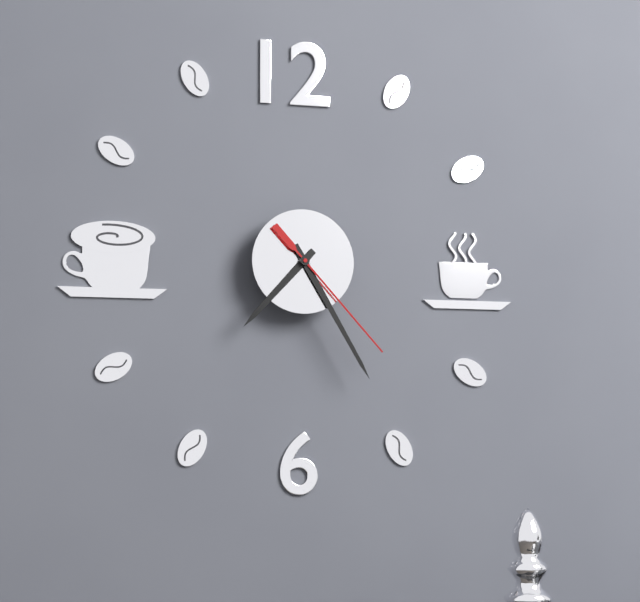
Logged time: h=7 m=25 s=23
